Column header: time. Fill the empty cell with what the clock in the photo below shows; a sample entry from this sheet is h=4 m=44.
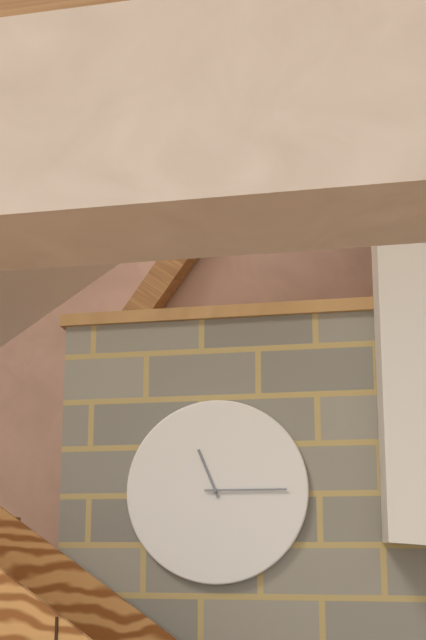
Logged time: h=11 m=15
